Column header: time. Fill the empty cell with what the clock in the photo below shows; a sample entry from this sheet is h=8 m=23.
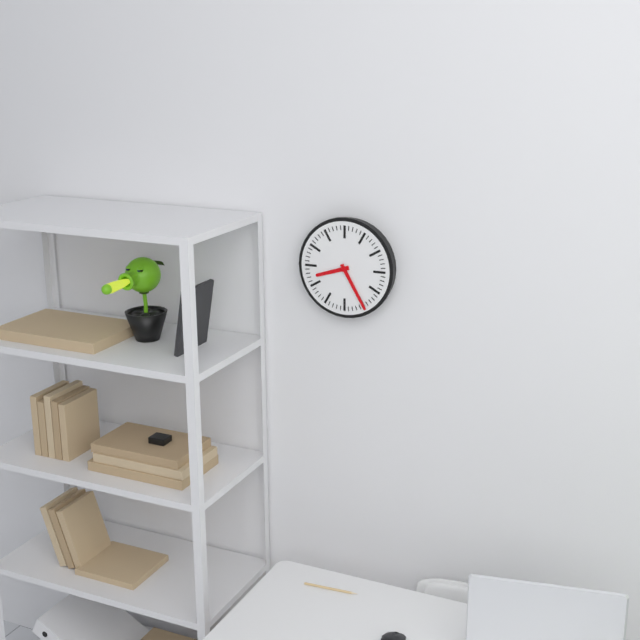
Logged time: h=8 m=25
